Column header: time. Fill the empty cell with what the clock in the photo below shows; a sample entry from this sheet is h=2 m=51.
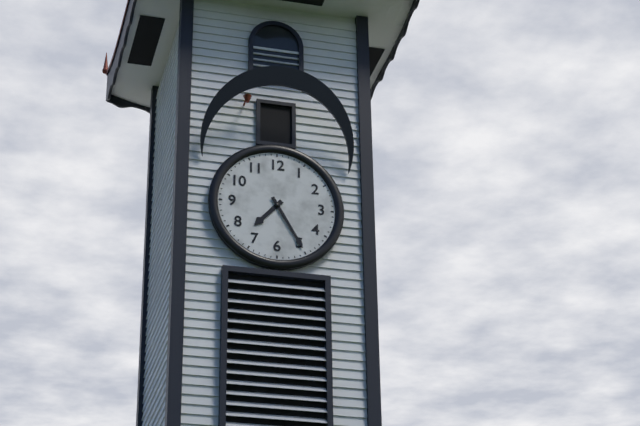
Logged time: h=7 m=25
